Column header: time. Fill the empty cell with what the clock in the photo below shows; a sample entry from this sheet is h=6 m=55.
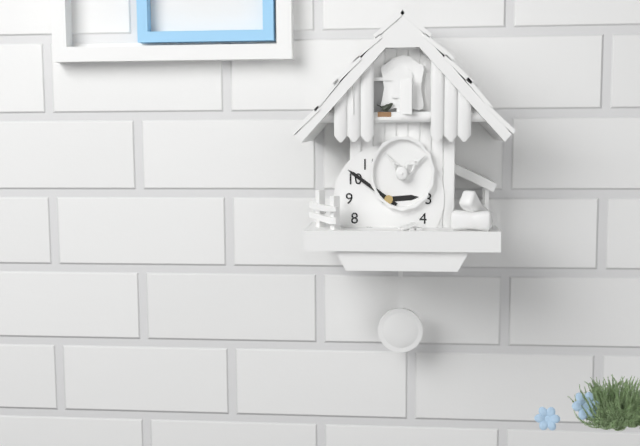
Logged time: h=2 m=51
